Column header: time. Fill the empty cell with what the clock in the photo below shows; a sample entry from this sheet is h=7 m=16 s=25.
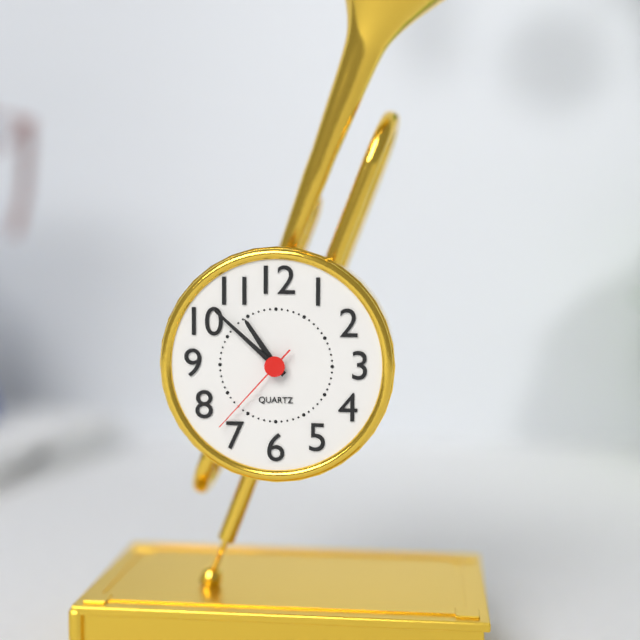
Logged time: h=10 m=52 s=37
